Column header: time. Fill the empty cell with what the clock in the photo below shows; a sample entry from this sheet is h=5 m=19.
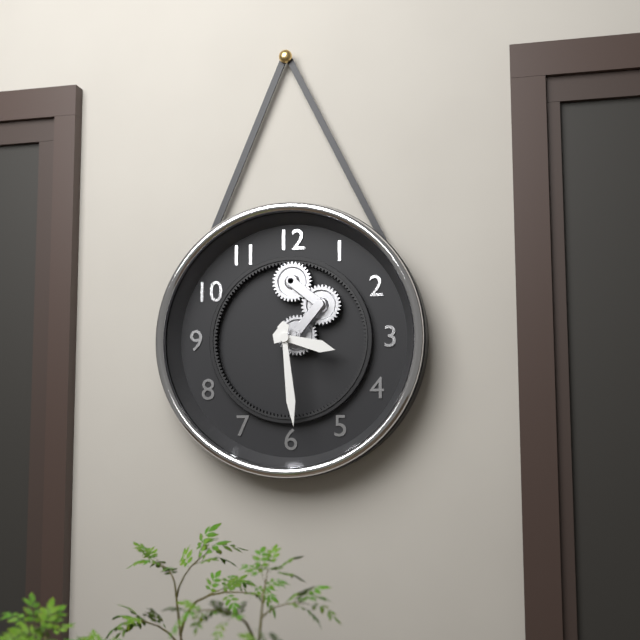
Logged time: h=3 m=29
